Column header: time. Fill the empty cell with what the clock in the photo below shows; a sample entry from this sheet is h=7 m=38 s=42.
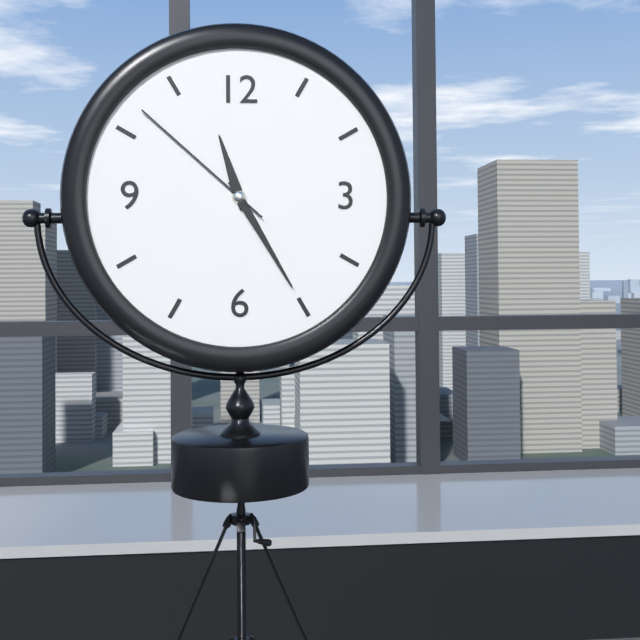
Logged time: h=11 m=25 s=52
